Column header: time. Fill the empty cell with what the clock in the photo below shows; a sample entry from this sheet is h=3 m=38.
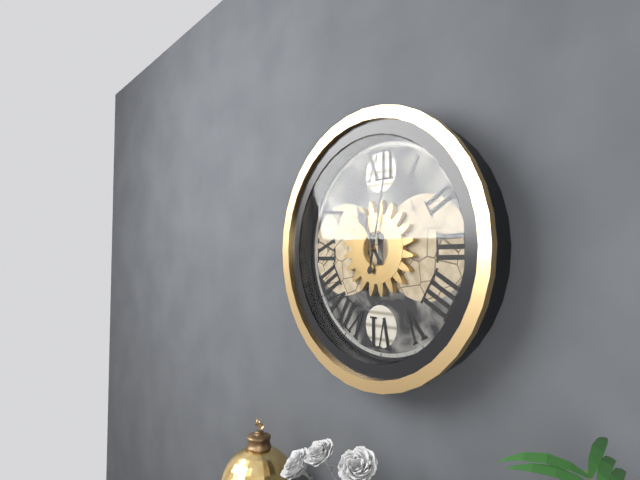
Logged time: h=11 m=2
